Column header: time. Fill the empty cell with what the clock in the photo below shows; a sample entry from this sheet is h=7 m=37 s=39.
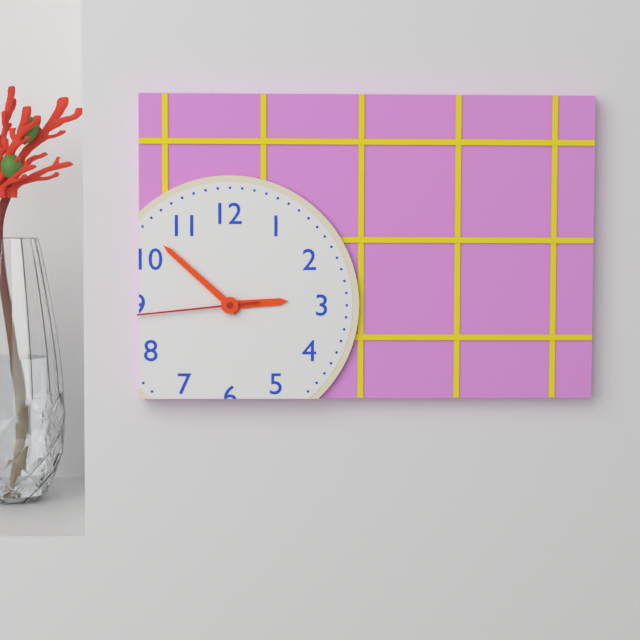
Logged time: h=2 m=52 s=44
